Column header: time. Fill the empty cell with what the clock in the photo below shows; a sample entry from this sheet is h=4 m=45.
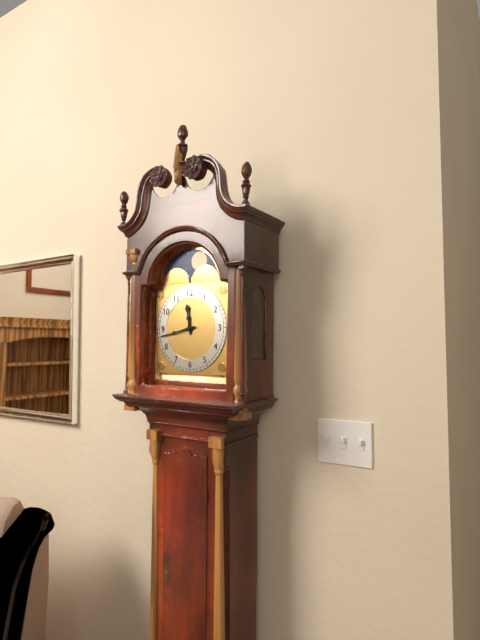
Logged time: h=11 m=43
